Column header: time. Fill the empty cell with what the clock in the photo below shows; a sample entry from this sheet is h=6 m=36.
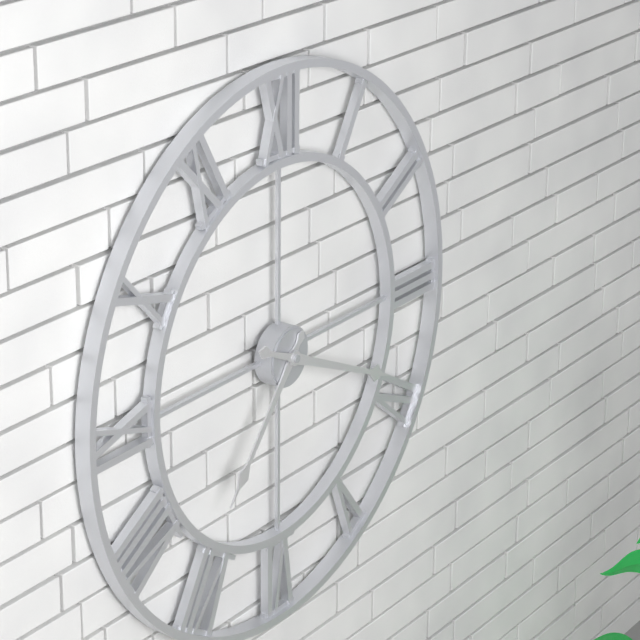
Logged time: h=7 m=19
